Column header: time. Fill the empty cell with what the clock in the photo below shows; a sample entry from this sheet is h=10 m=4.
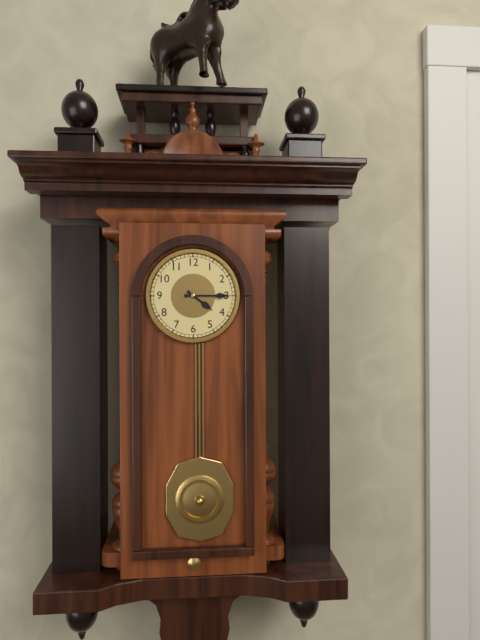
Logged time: h=4 m=15
